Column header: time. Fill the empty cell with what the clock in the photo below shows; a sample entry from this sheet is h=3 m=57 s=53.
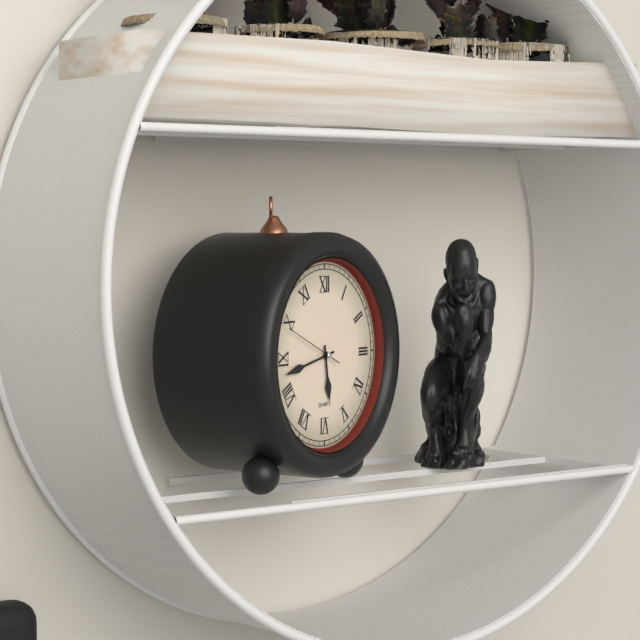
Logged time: h=5 m=43 s=49
